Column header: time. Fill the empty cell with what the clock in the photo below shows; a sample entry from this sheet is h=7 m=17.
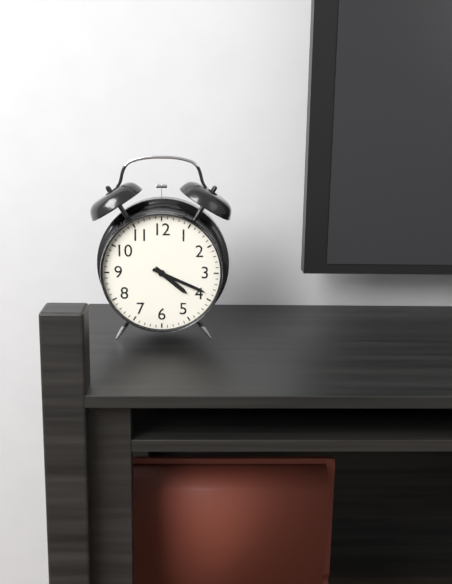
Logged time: h=4 m=19
